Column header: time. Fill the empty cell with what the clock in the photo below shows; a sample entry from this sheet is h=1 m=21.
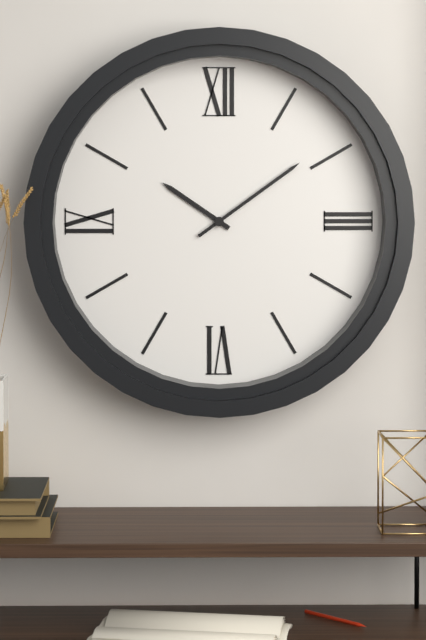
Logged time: h=10 m=9
